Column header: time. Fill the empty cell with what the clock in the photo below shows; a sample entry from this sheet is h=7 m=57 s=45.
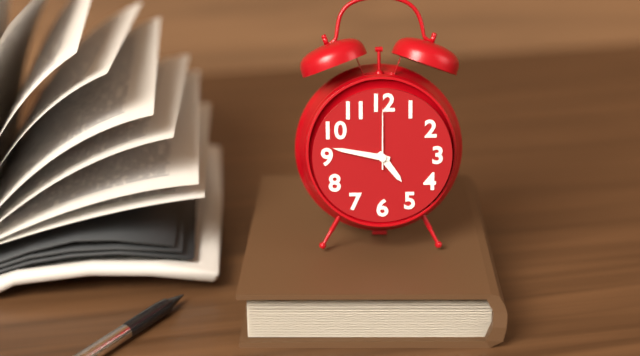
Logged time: h=4 m=47 s=0
